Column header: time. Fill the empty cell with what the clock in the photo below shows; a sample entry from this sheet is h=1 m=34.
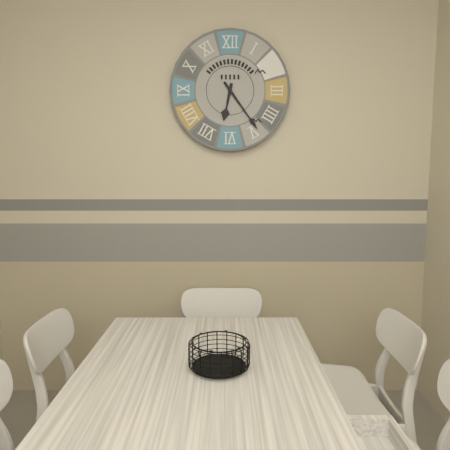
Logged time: h=6 m=24
